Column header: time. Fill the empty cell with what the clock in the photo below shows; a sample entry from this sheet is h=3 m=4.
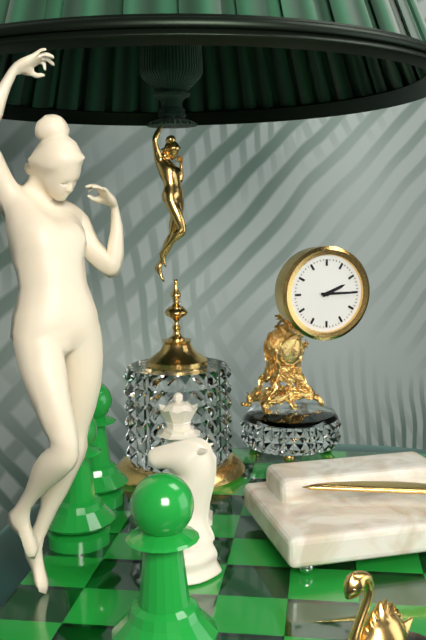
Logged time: h=2 m=15
